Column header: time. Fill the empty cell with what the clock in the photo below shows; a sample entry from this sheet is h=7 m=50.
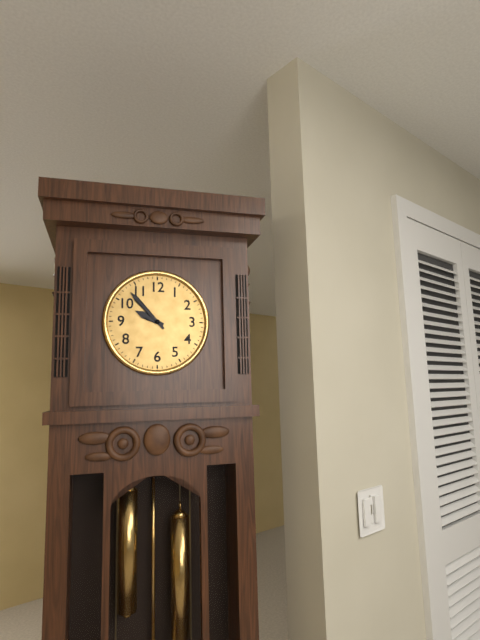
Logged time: h=9 m=53
